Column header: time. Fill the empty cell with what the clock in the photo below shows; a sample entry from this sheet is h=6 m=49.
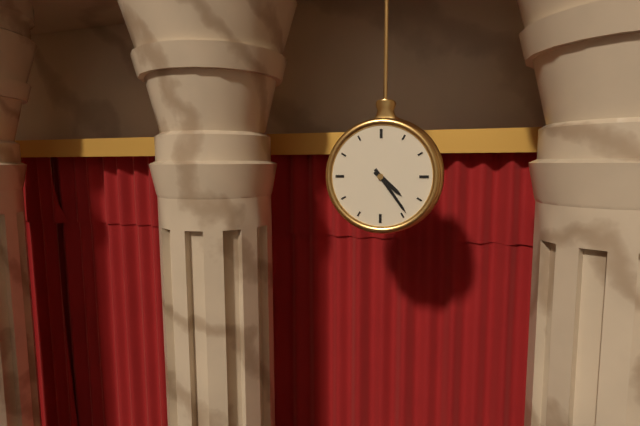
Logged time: h=4 m=24
